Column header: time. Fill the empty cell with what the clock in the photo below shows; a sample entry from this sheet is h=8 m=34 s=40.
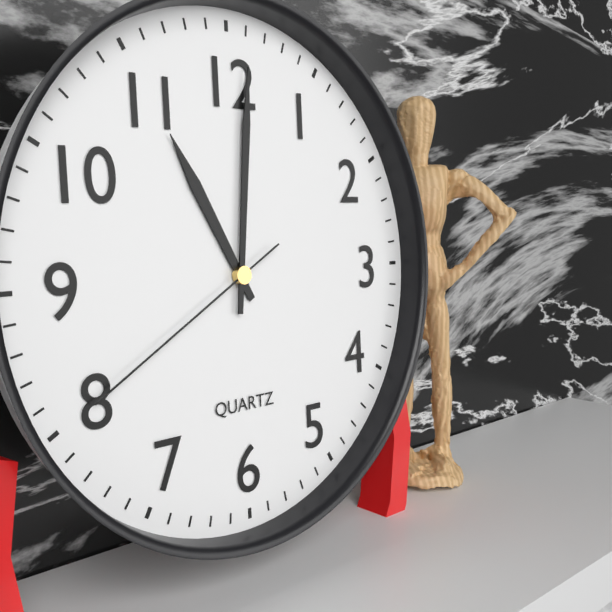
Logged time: h=11 m=1 s=40
